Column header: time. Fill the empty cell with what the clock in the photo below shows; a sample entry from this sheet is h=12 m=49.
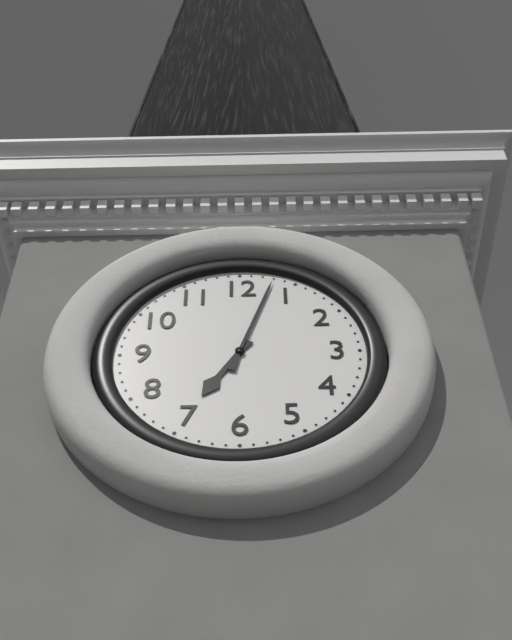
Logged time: h=7 m=3
